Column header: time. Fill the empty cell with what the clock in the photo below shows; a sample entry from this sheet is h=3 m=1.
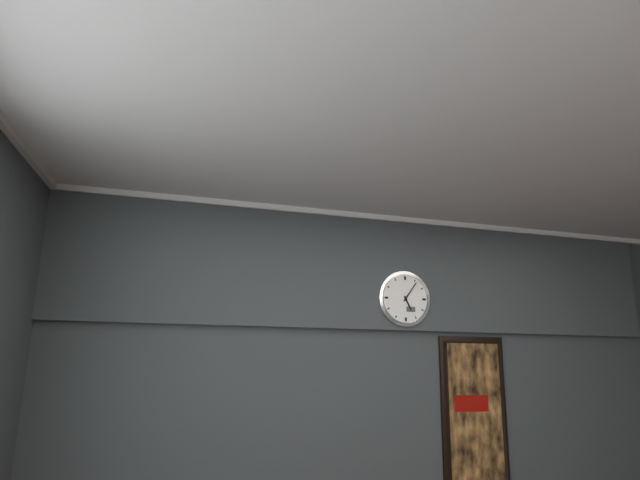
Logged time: h=5 m=6
